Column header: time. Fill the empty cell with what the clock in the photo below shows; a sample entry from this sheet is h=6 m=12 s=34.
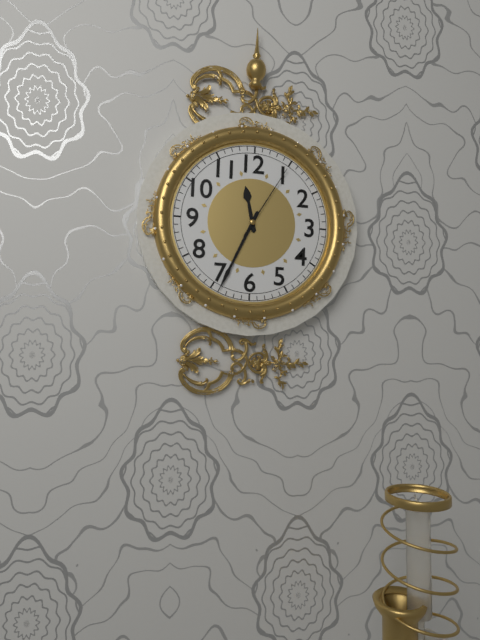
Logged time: h=11 m=34 s=5
